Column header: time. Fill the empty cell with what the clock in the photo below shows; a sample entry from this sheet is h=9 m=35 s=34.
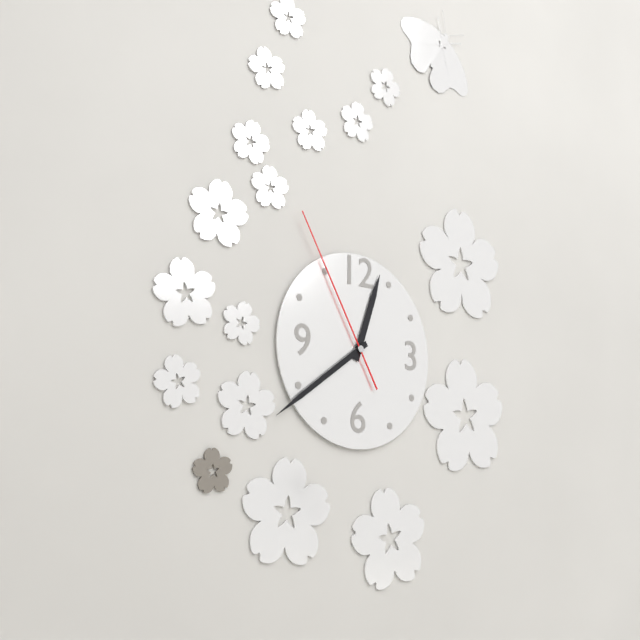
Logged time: h=12 m=39 s=55
